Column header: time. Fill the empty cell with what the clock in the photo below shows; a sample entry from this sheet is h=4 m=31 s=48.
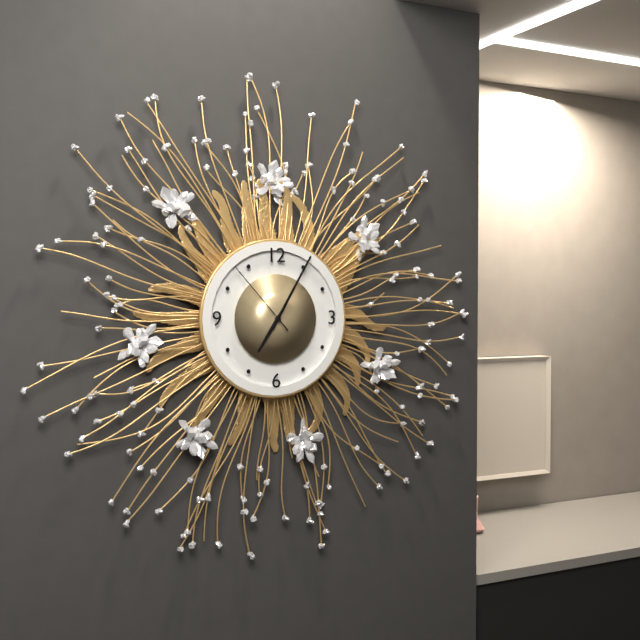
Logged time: h=7 m=5 s=53
